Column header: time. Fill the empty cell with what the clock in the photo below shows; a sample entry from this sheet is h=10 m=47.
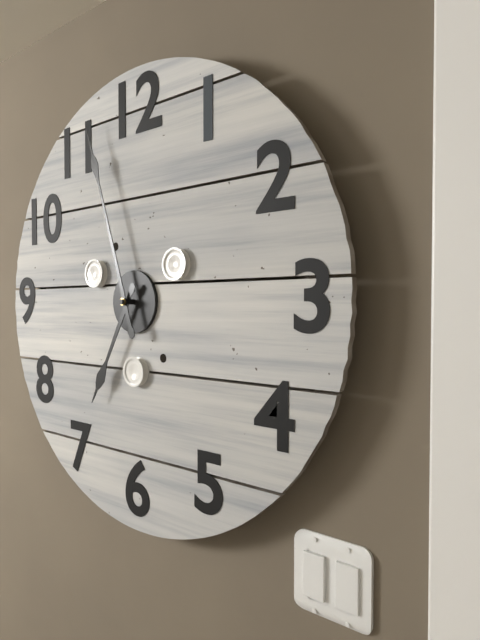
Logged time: h=6 m=57
